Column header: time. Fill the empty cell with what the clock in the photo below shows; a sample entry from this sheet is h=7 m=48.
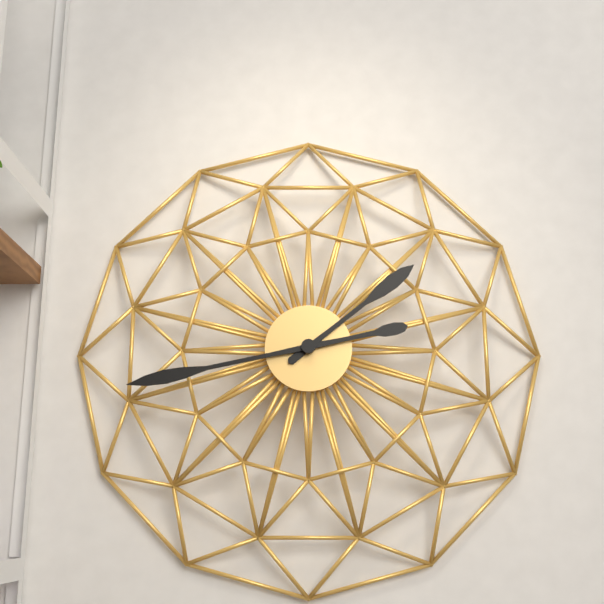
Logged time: h=1 m=43
